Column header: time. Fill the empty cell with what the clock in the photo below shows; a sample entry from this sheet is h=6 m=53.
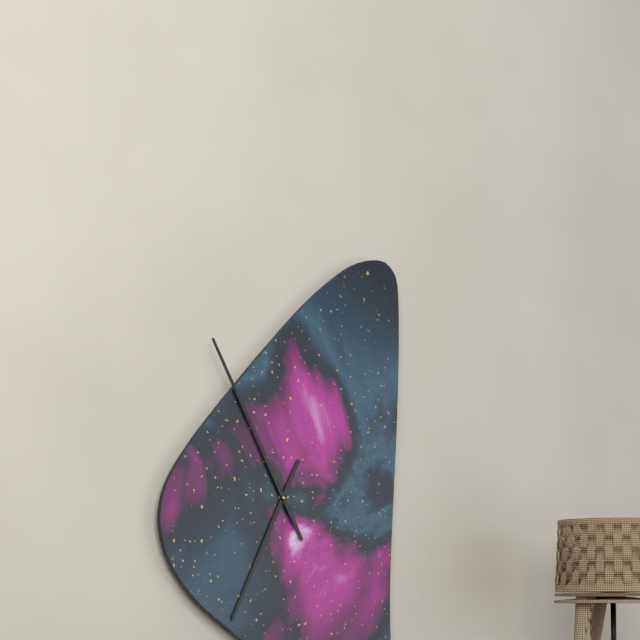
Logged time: h=6 m=55
